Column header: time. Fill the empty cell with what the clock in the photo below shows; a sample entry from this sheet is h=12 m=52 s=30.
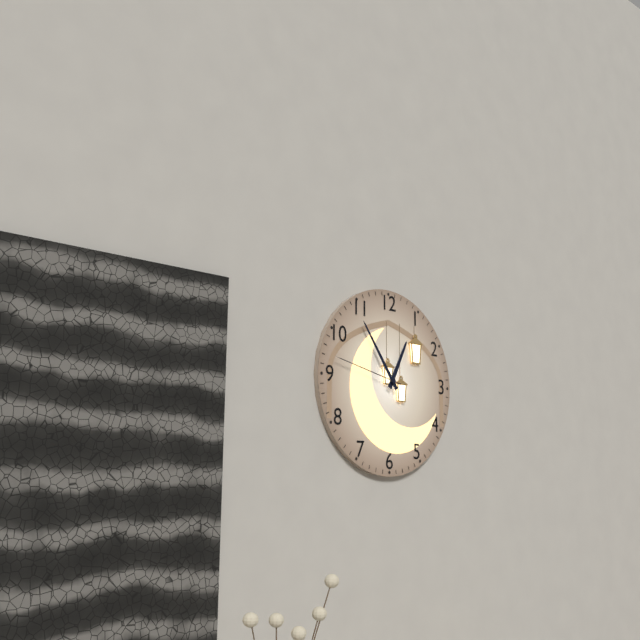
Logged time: h=12 m=54 s=47
